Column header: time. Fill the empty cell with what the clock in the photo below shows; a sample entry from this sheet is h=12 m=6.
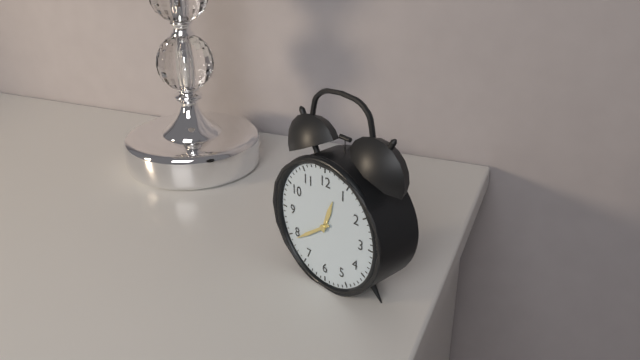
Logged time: h=12 m=39
